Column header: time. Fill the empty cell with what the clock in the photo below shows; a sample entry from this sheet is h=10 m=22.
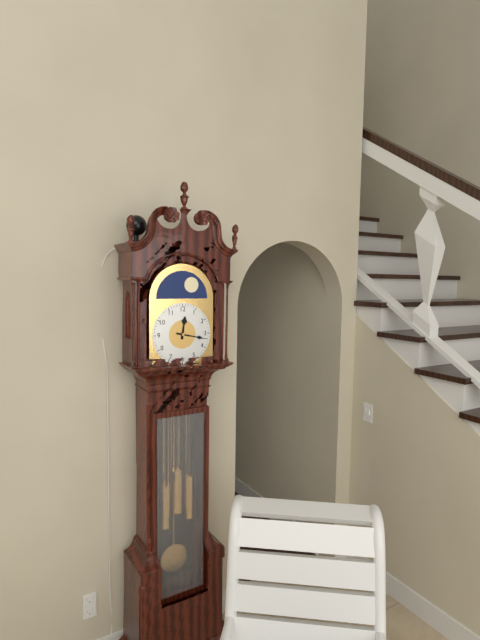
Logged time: h=12 m=17
